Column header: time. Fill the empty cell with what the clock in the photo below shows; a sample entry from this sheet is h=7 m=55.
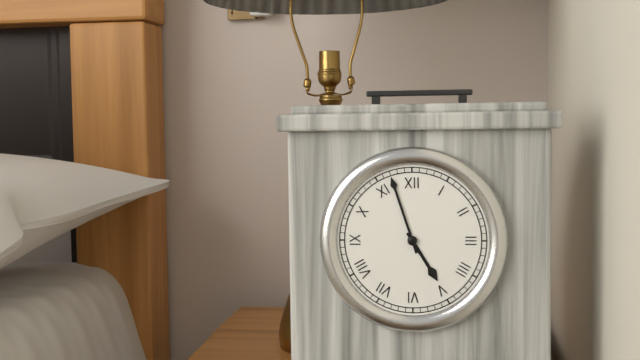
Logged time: h=4 m=57
